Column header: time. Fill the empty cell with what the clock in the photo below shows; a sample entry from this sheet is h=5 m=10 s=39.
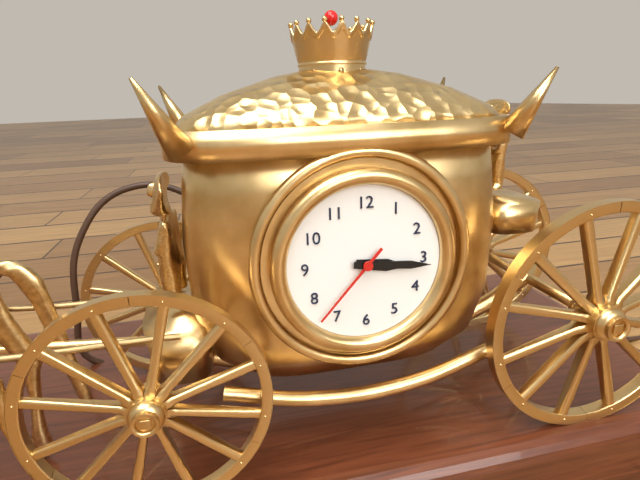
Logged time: h=3 m=16 s=37
